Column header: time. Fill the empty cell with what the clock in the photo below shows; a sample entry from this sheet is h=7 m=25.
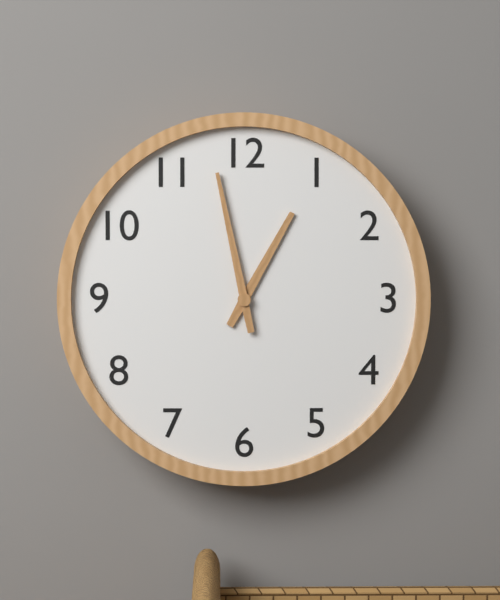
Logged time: h=12 m=58
